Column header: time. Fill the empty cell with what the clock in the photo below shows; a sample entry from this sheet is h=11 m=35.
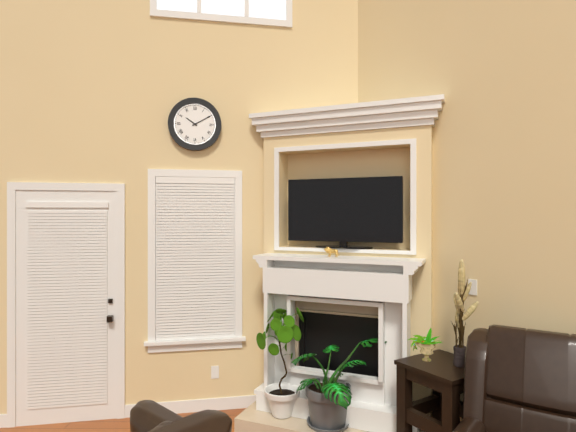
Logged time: h=10 m=10
